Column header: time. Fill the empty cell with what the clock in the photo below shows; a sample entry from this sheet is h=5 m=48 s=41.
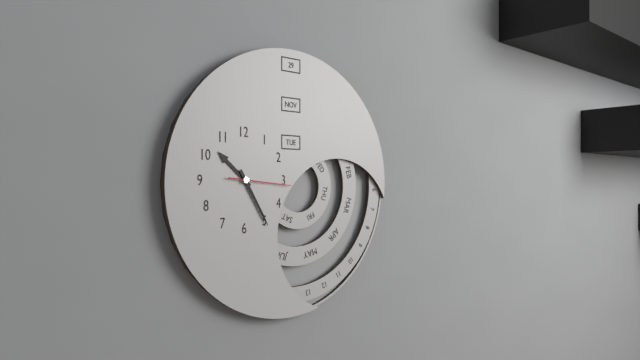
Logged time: h=10 m=25 s=16
